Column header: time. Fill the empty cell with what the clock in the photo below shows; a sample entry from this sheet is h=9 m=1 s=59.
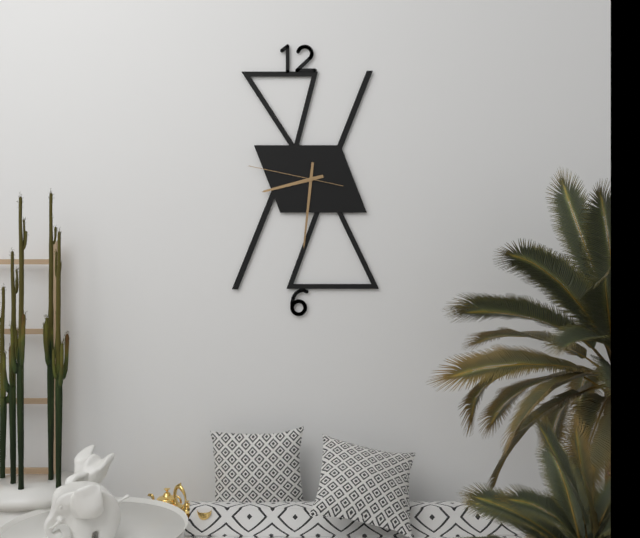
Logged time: h=8 m=31 s=47
